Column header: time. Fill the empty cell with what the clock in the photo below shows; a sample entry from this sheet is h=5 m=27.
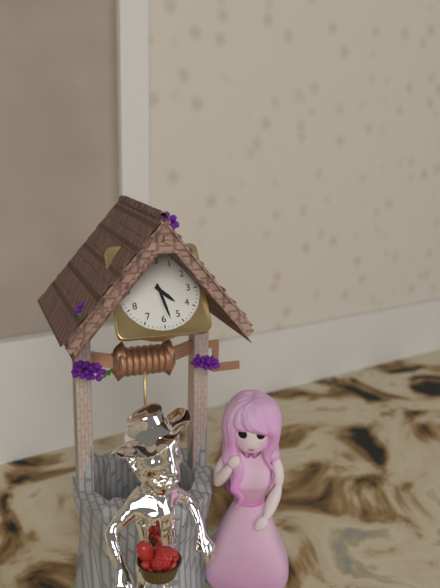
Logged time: h=4 m=28
